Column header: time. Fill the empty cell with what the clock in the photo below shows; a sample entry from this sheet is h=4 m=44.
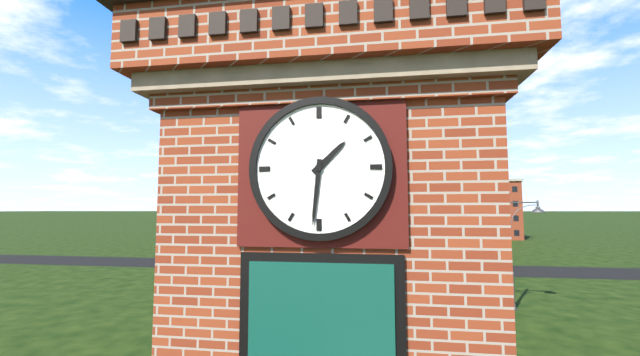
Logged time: h=1 m=31
